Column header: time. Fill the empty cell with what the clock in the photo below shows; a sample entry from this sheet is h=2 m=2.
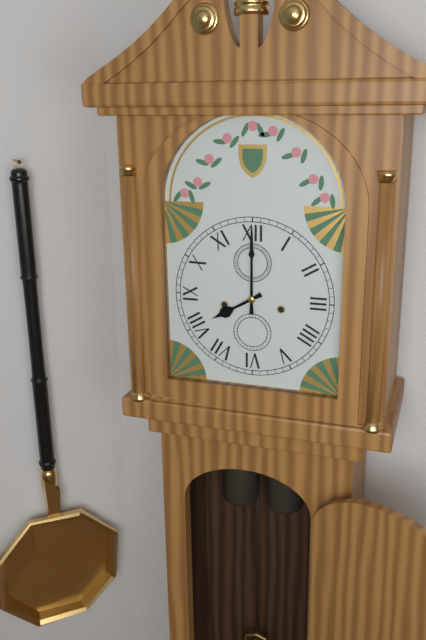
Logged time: h=8 m=0
